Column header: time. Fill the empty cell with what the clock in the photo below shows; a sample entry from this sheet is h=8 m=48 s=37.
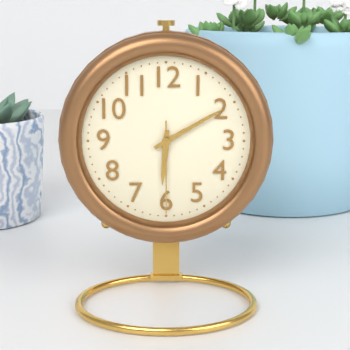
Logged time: h=6 m=10 s=30
